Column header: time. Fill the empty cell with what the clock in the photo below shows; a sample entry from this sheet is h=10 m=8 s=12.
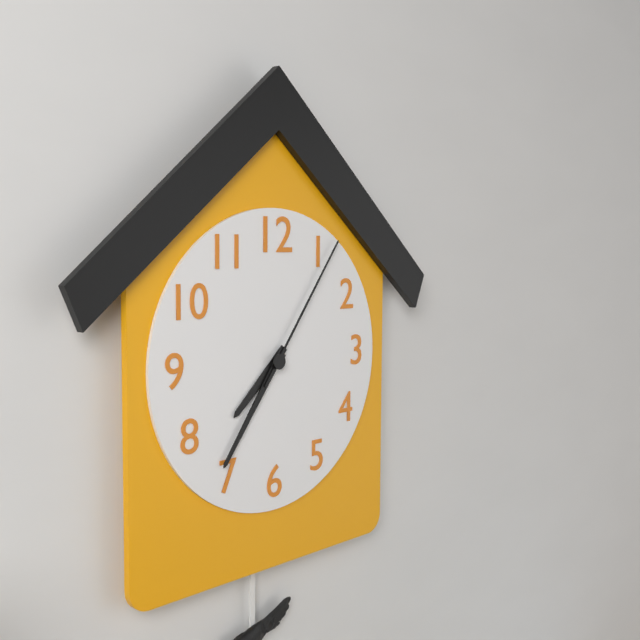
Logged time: h=7 m=36 s=6
